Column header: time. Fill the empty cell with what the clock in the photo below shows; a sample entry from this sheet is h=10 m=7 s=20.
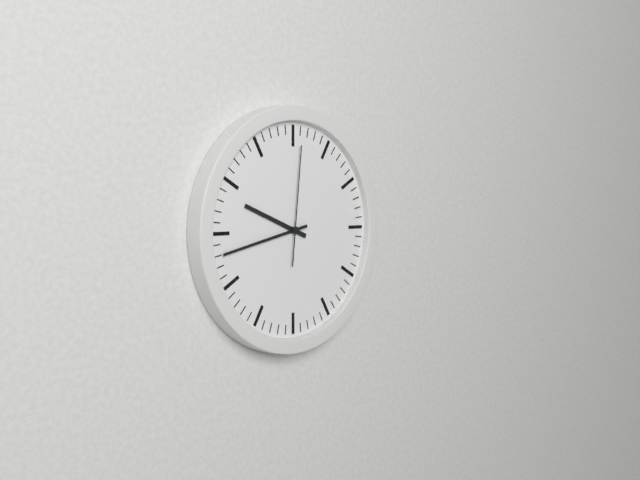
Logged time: h=9 m=43 s=1
